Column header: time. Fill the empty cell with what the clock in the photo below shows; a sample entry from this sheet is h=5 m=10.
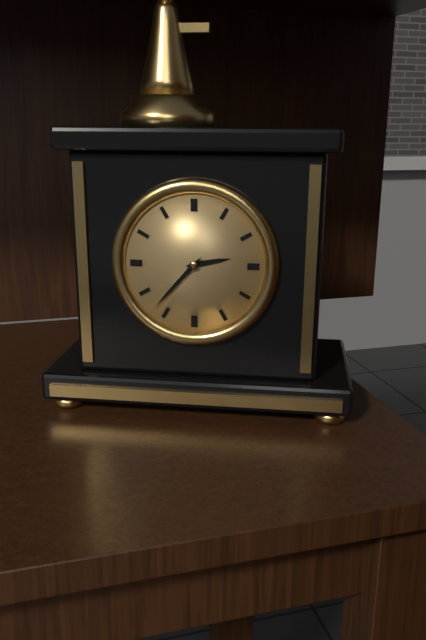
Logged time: h=2 m=37
